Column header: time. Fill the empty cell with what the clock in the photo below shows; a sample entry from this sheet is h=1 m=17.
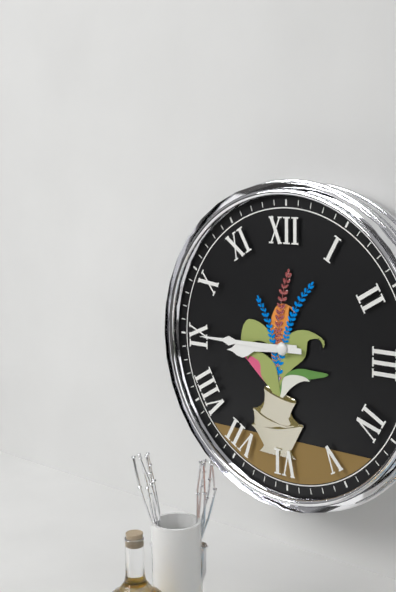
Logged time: h=8 m=45
